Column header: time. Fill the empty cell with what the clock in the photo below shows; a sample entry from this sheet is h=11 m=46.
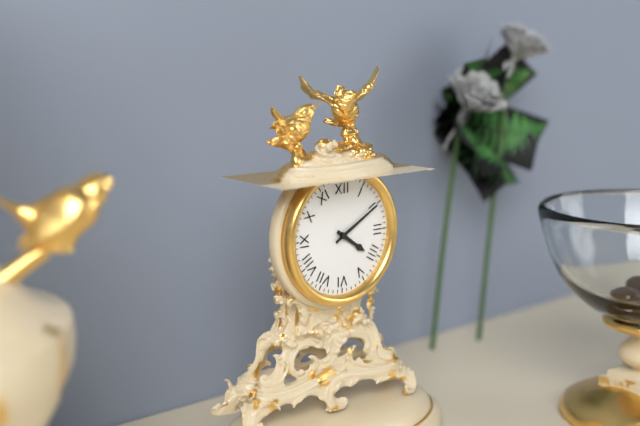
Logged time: h=4 m=10
